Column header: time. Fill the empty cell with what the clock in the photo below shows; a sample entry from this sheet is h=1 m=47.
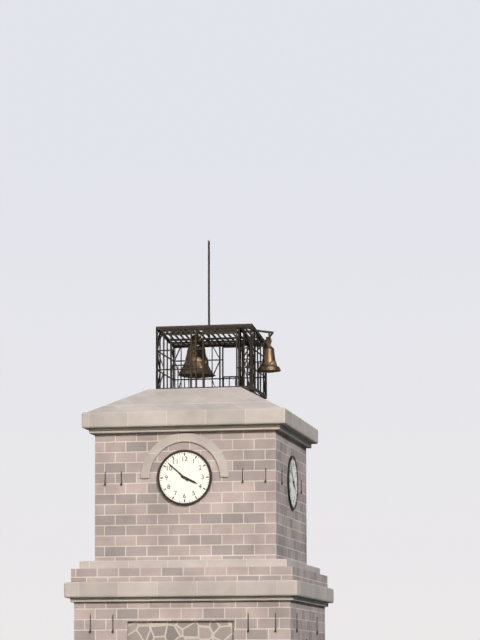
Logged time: h=3 m=52
